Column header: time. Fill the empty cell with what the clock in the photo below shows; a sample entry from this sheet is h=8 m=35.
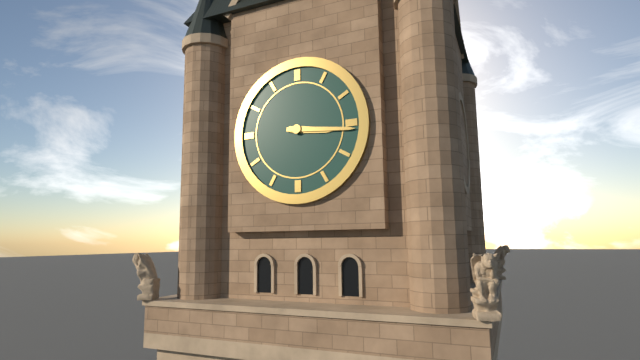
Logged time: h=3 m=16
